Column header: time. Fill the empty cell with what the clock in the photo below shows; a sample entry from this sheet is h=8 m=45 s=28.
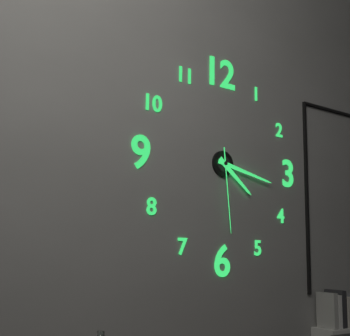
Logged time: h=4 m=17 s=29
